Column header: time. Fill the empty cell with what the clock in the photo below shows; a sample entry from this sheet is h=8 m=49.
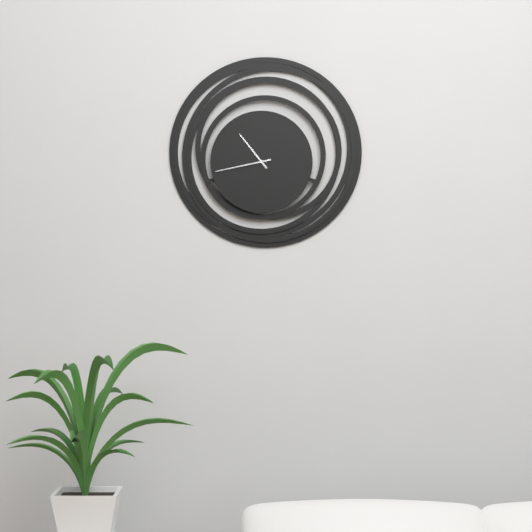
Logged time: h=10 m=43
